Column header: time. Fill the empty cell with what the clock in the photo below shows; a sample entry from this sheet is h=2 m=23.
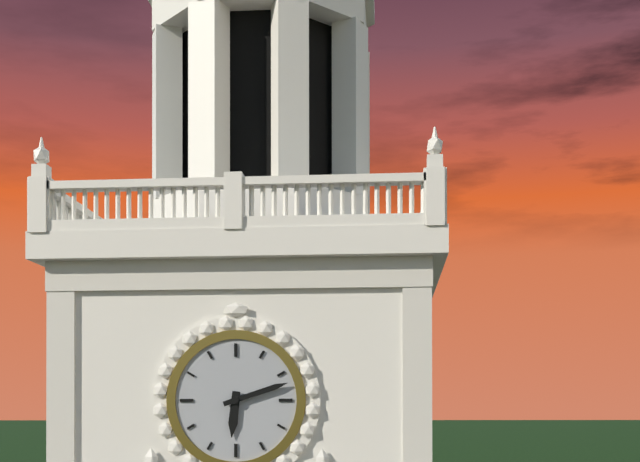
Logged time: h=6 m=12
